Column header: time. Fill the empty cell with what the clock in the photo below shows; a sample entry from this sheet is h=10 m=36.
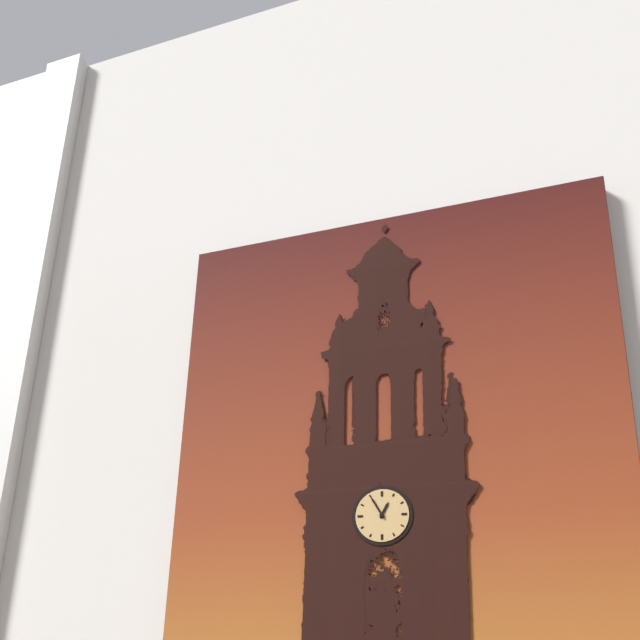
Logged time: h=12 m=55
